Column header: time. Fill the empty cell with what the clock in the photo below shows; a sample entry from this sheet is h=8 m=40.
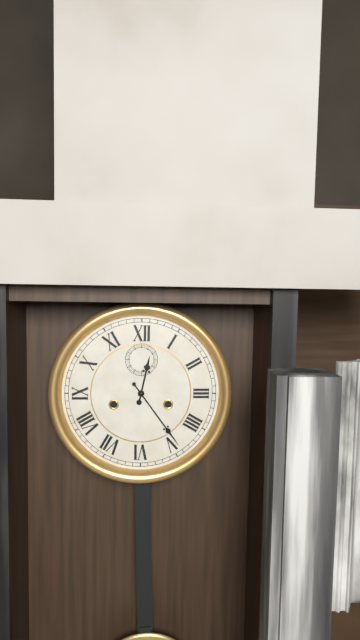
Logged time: h=12 m=24
